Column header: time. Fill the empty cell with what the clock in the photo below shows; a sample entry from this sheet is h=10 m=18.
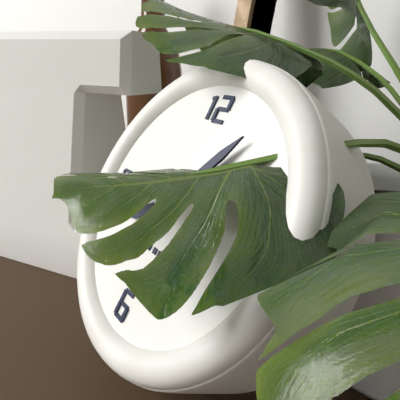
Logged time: h=8 m=6
